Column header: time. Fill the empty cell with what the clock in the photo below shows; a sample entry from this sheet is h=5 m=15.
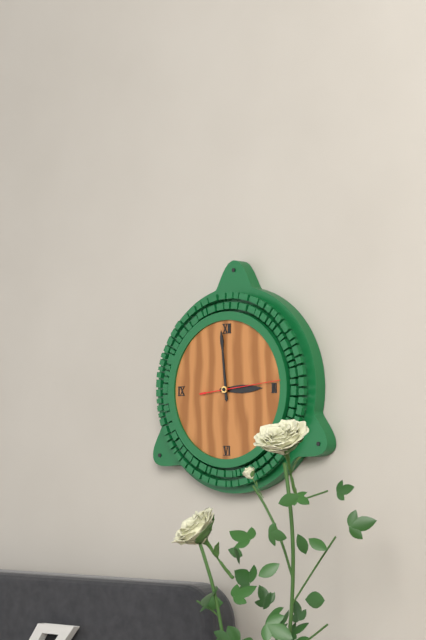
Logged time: h=2 m=59
